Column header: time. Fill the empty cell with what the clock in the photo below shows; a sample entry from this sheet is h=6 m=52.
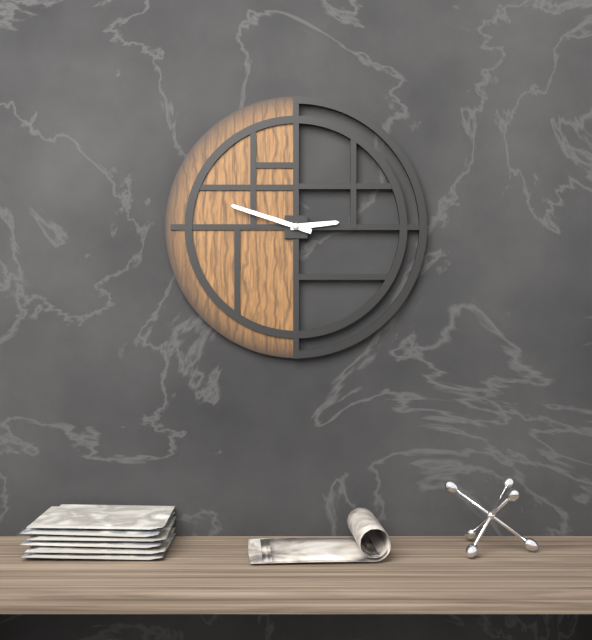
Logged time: h=2 m=48
